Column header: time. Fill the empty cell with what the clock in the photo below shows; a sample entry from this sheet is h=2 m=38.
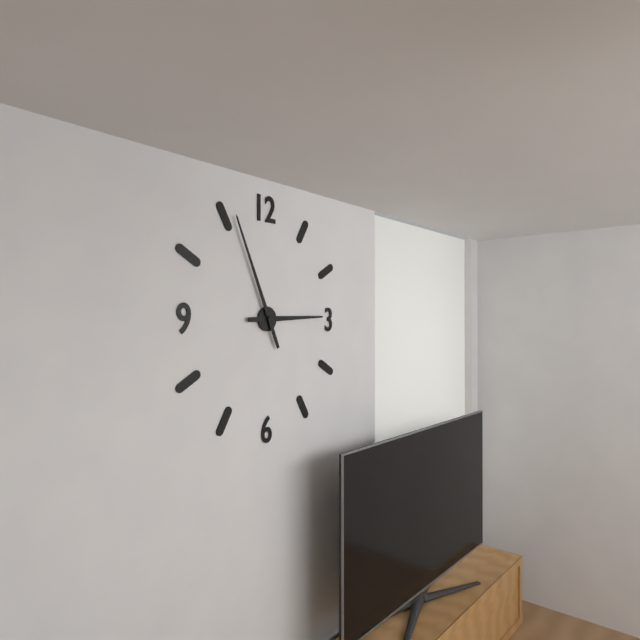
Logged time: h=2 m=56
